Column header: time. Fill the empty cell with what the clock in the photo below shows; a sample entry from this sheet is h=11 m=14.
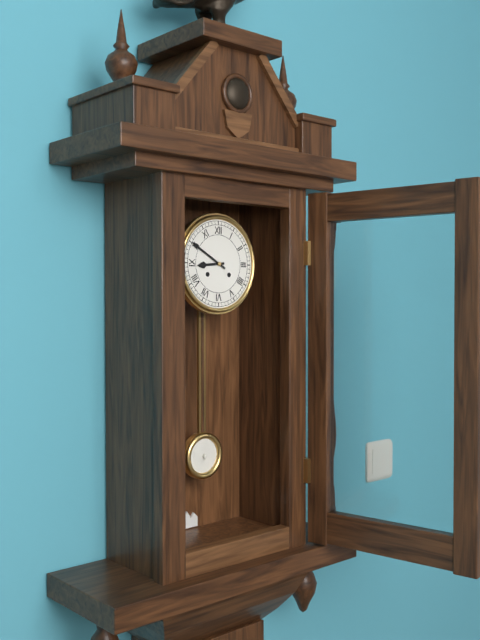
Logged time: h=8 m=50
